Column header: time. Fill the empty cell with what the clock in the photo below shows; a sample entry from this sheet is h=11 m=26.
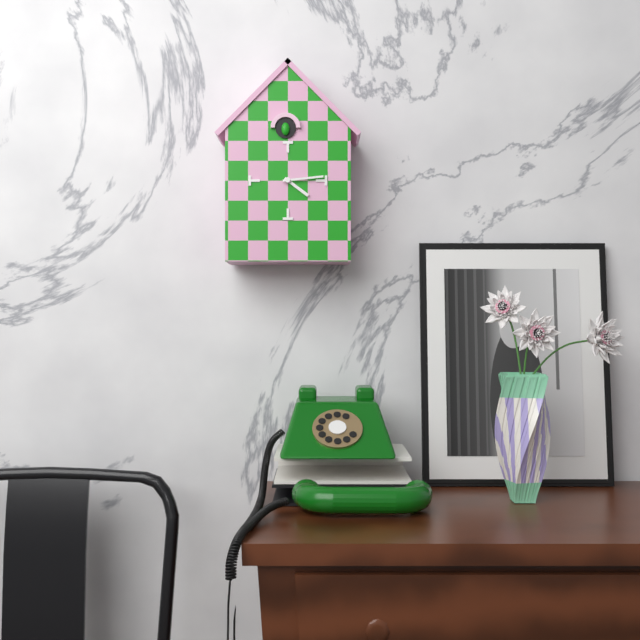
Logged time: h=4 m=14
